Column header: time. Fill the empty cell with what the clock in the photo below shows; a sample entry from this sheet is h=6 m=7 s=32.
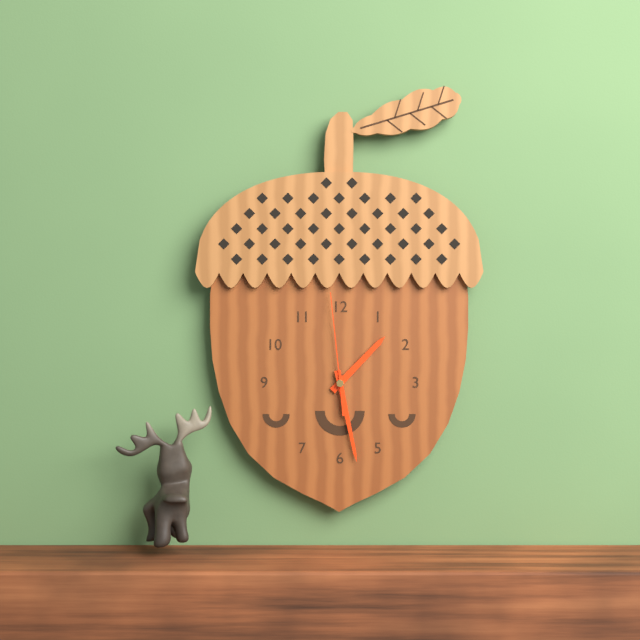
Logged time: h=1 m=28 s=59
